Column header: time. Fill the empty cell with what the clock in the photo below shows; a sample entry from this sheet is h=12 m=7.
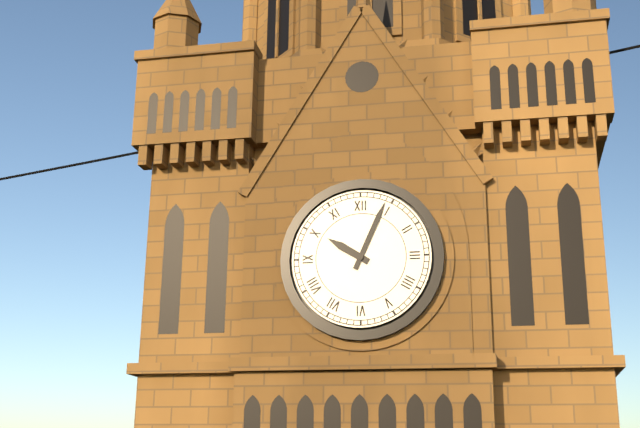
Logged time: h=10 m=4
